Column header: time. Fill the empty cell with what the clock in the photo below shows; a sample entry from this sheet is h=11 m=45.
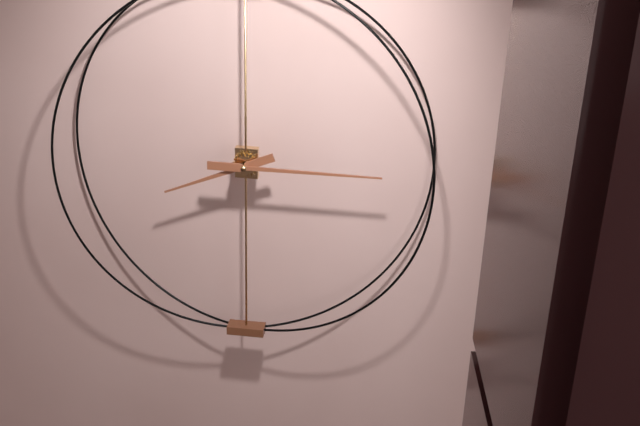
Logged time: h=8 m=15
